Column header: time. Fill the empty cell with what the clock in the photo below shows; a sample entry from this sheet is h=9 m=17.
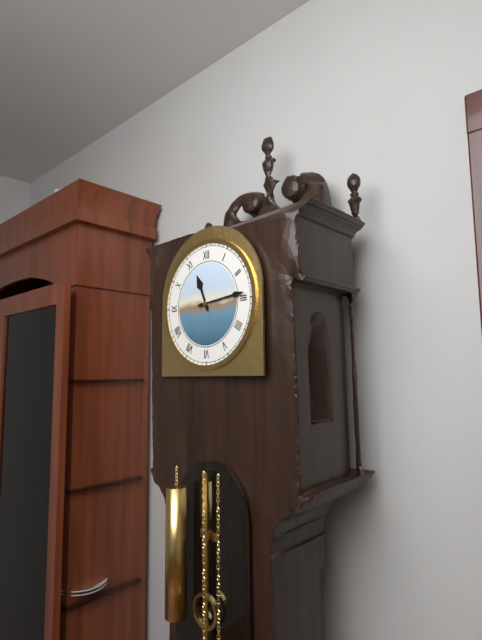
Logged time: h=11 m=14
